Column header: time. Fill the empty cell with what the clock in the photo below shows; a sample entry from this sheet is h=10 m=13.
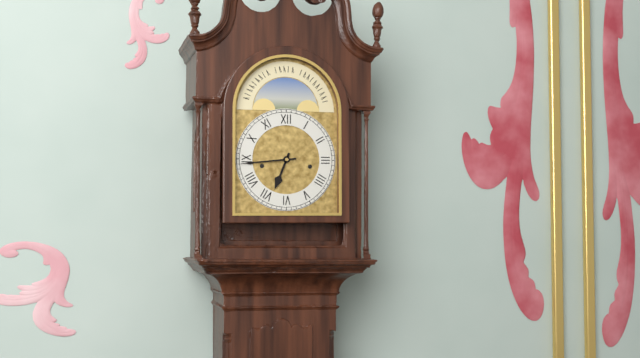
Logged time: h=6 m=44
